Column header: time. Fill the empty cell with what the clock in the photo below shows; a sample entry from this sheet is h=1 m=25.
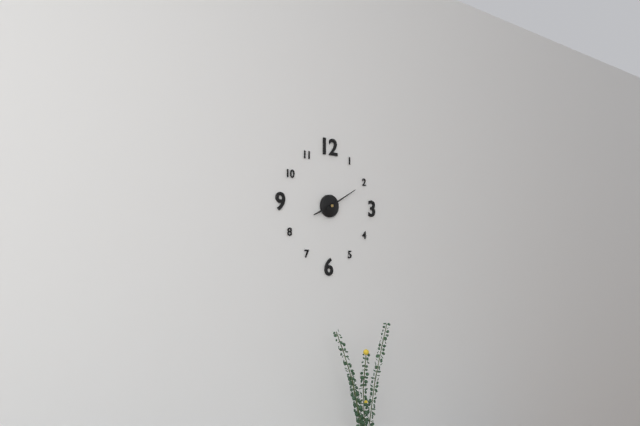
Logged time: h=8 m=10
